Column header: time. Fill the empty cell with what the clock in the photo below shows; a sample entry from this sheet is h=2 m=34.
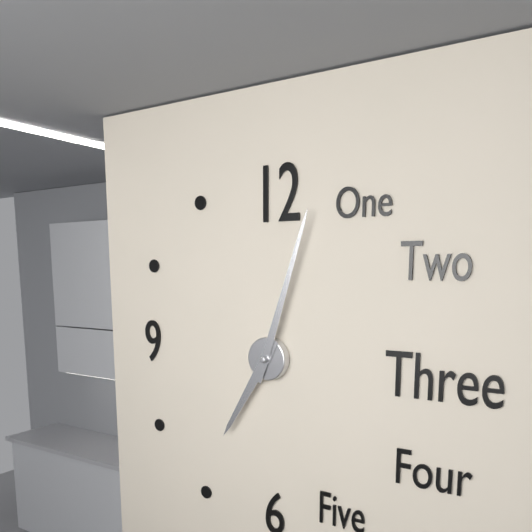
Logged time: h=7 m=3
